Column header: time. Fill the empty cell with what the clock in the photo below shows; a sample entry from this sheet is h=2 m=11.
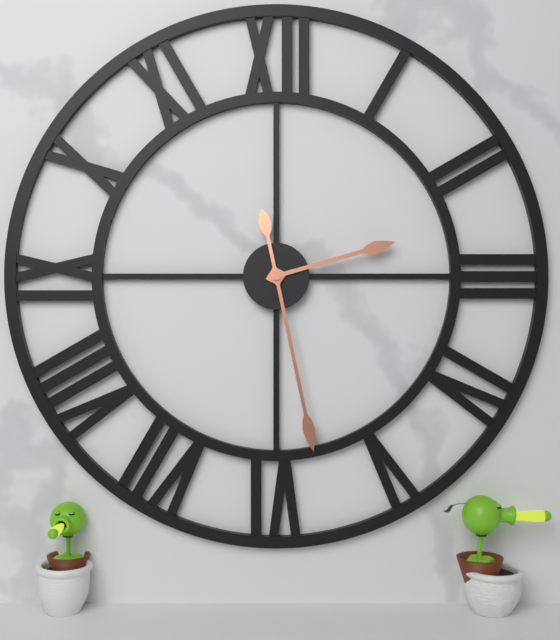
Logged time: h=2 m=28
